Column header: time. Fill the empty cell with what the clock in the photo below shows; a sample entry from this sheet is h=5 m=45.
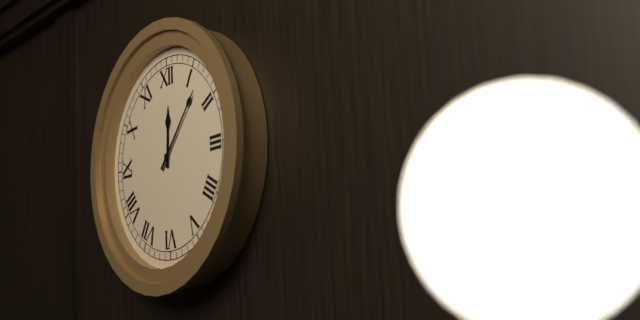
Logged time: h=12 m=7
